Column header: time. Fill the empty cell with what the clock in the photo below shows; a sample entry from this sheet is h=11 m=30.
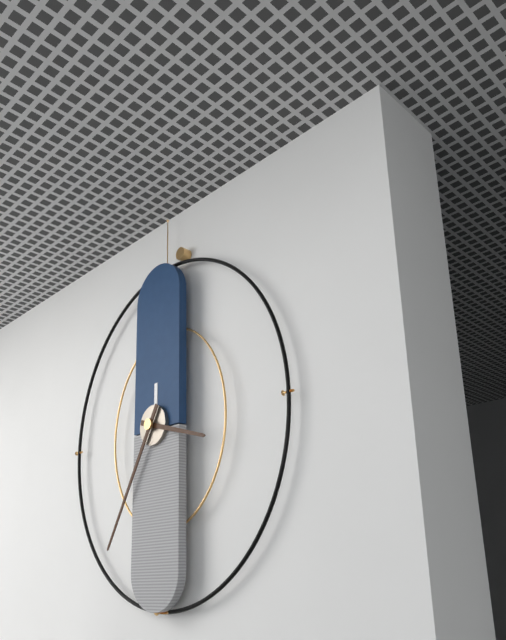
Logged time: h=3 m=35
